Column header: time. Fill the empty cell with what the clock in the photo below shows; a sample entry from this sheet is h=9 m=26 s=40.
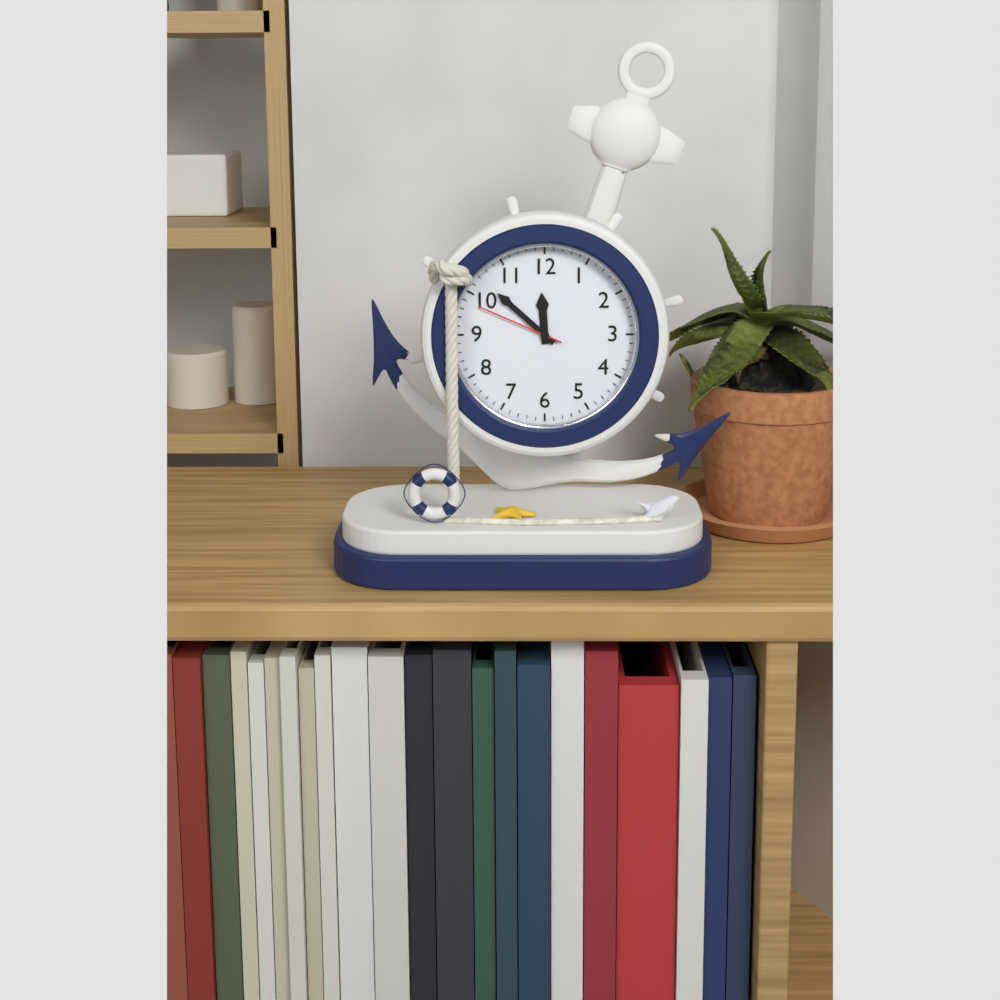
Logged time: h=11 m=52 s=49
